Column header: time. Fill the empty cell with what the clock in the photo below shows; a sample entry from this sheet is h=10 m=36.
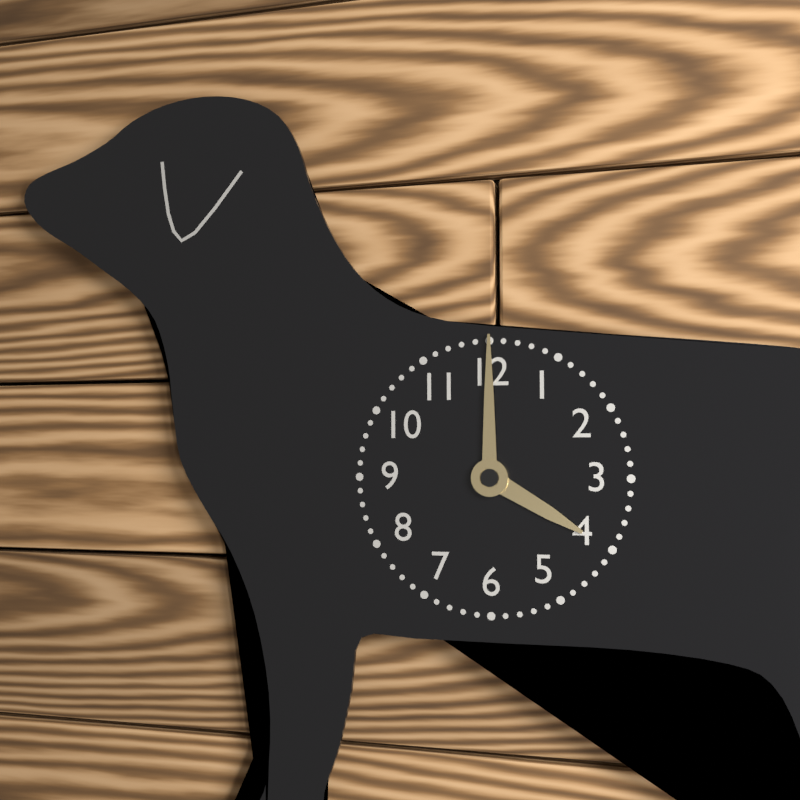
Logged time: h=4 m=0
